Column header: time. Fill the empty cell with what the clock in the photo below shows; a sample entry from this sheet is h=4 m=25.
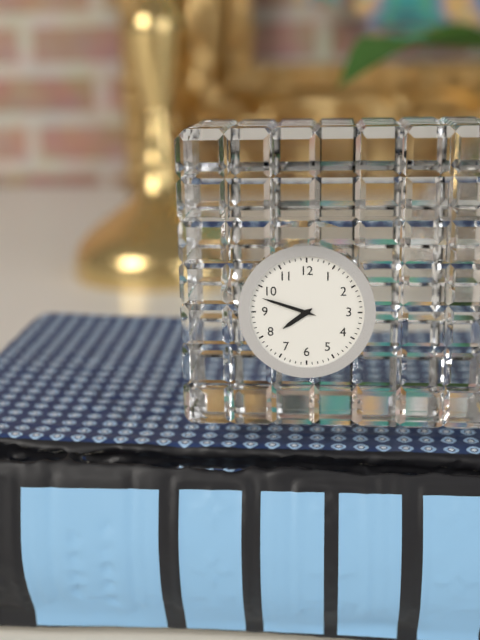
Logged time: h=7 m=48
